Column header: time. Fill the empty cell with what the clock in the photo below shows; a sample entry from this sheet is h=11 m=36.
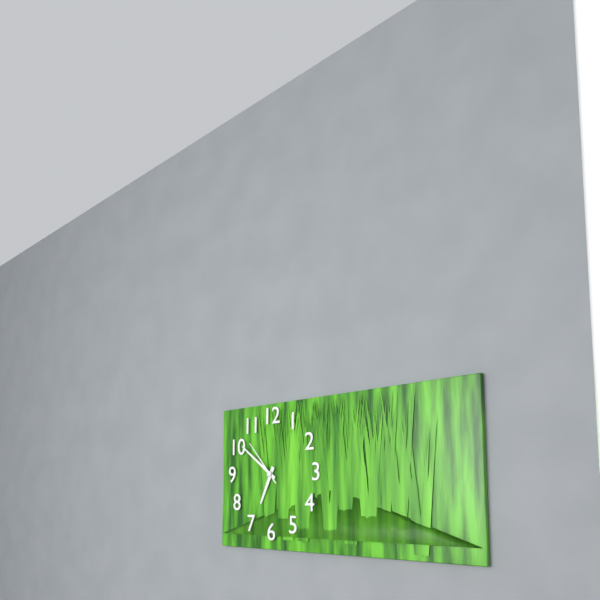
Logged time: h=6 m=51
